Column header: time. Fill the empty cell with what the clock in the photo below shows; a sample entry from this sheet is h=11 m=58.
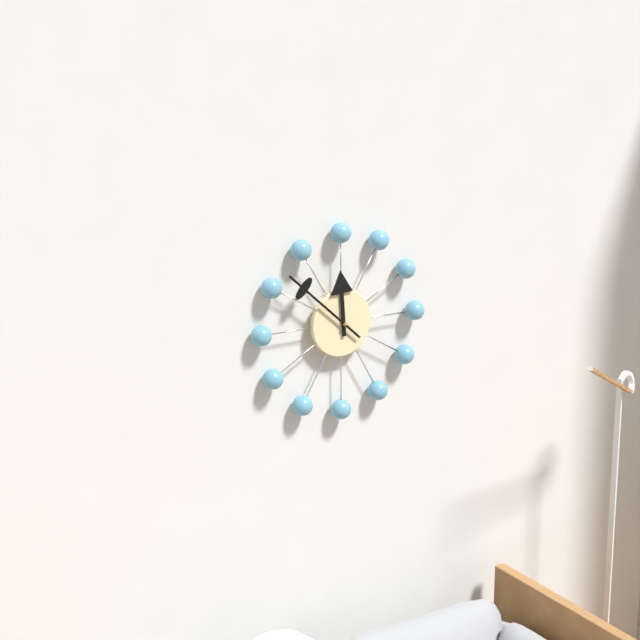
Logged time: h=11 m=52
